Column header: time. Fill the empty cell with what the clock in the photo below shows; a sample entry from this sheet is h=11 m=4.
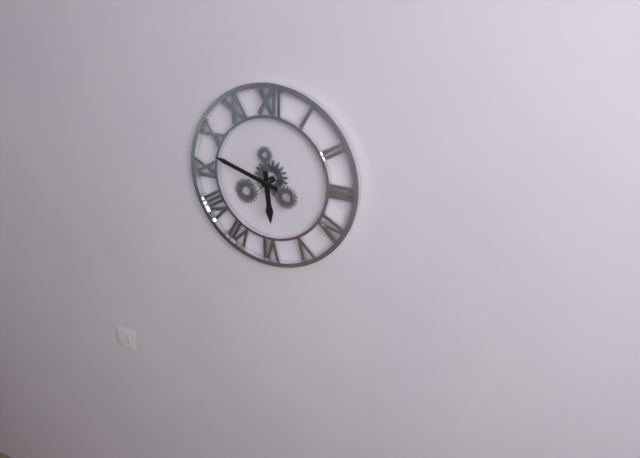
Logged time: h=5 m=48
